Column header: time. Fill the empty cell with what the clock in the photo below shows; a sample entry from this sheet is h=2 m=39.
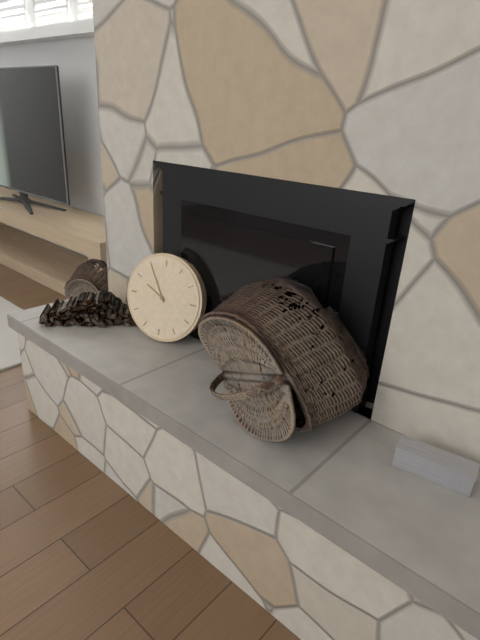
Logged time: h=9 m=55
